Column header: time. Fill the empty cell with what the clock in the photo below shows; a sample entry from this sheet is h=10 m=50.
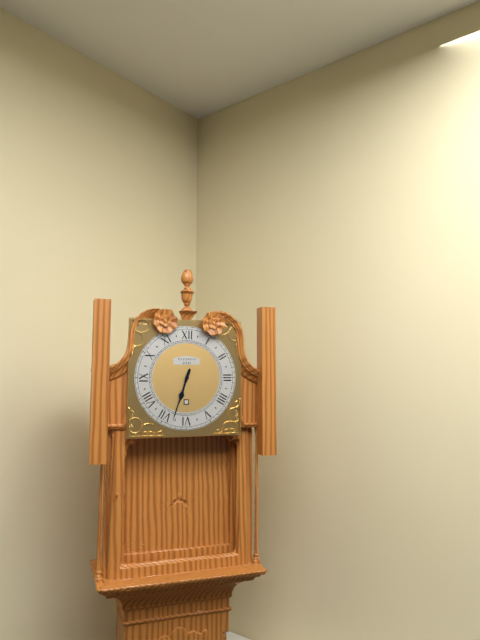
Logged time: h=6 m=33
